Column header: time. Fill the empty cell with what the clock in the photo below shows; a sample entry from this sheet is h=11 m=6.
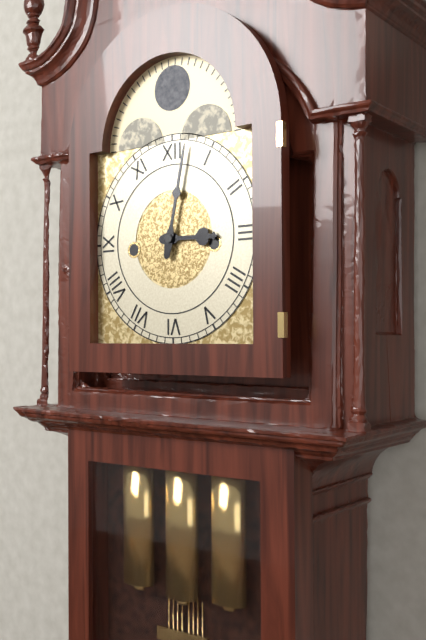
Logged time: h=3 m=2
